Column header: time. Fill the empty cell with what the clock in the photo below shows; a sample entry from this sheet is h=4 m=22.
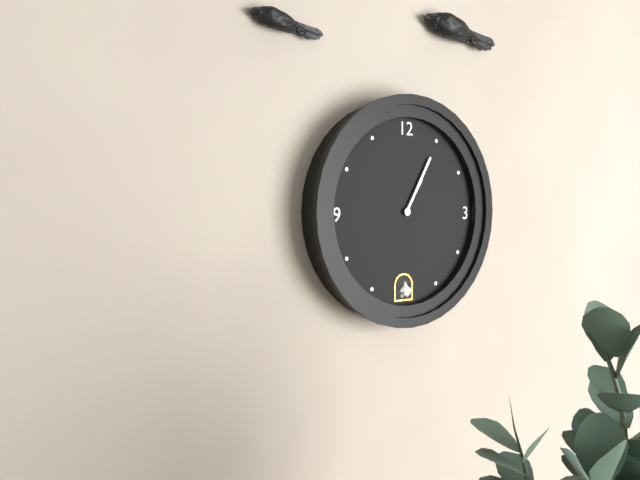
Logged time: h=1 m=5
